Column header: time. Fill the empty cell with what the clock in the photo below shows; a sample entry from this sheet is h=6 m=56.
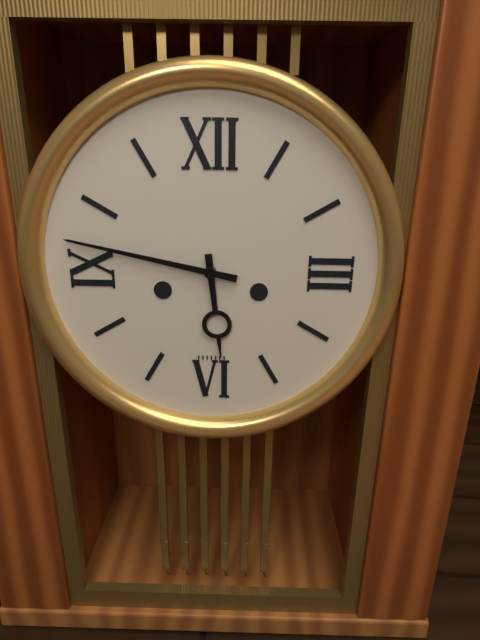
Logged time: h=5 m=47
